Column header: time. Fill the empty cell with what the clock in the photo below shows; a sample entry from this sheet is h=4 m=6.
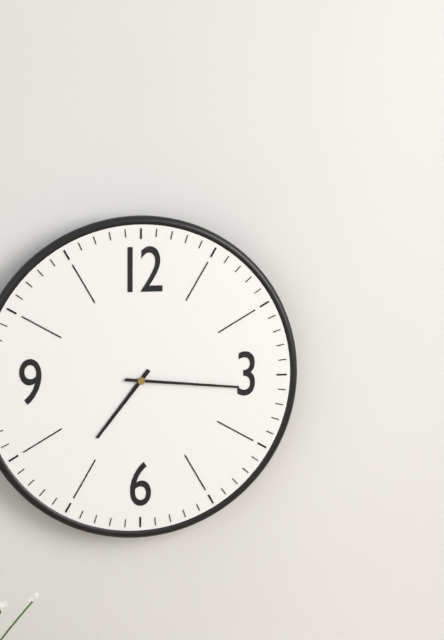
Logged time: h=7 m=16
